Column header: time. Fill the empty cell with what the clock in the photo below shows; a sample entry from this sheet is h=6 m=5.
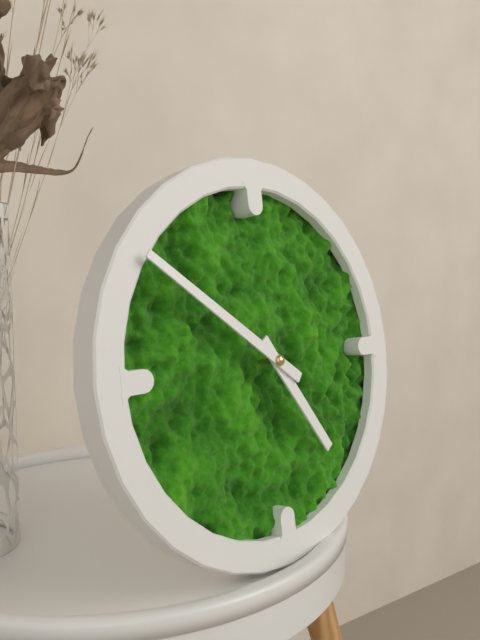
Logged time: h=4 m=51
